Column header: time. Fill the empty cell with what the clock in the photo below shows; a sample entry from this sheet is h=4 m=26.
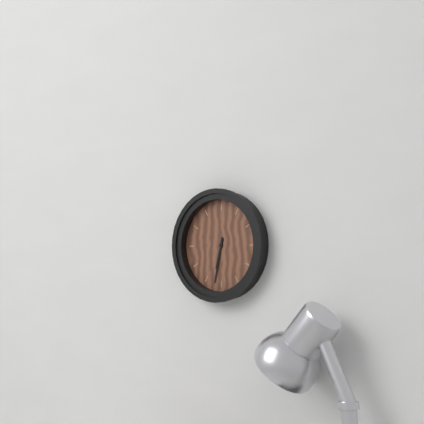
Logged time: h=6 m=32
